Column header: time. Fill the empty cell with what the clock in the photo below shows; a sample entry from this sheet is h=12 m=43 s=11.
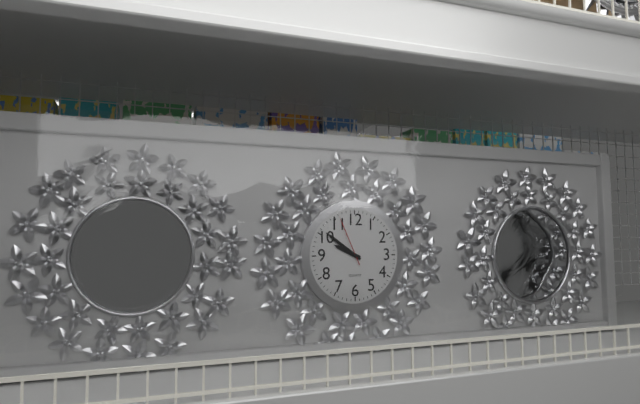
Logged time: h=9 m=51 s=56
